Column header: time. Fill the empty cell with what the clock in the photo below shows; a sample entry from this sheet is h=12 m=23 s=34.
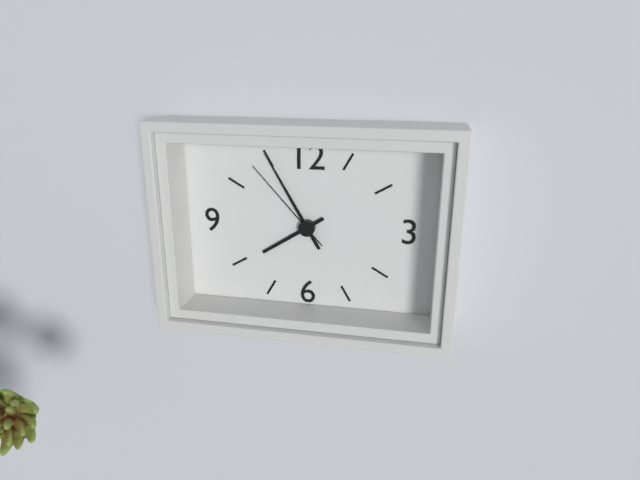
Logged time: h=7 m=55 s=53
